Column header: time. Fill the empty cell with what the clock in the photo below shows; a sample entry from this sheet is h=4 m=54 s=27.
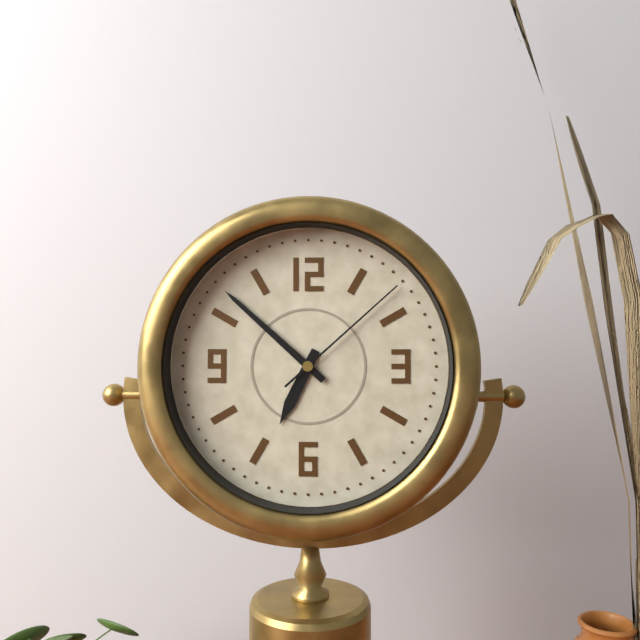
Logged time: h=6 m=52 s=8
